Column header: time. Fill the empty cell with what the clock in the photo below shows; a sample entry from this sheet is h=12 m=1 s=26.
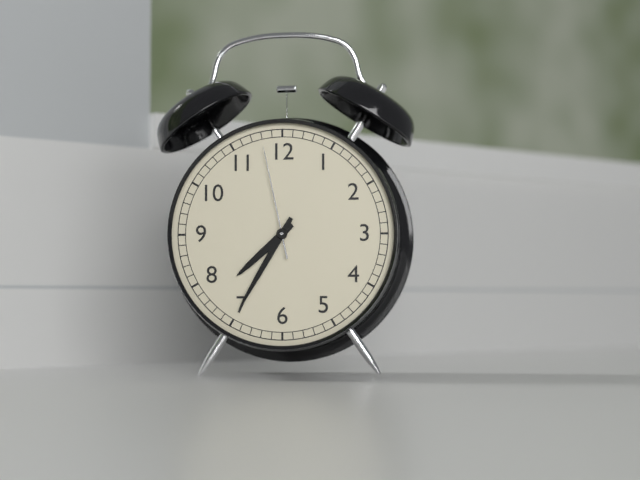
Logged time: h=7 m=35 s=58
